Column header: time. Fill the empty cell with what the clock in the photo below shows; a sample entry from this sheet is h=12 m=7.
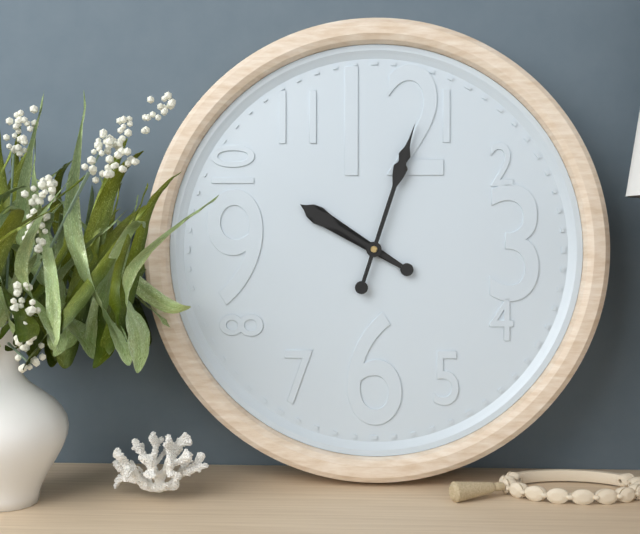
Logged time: h=10 m=3
